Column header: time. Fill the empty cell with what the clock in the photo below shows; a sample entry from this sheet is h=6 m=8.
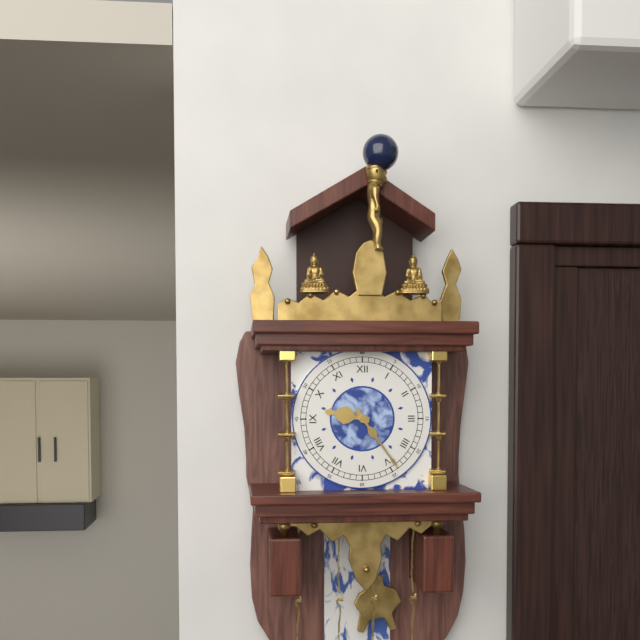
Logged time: h=9 m=24
